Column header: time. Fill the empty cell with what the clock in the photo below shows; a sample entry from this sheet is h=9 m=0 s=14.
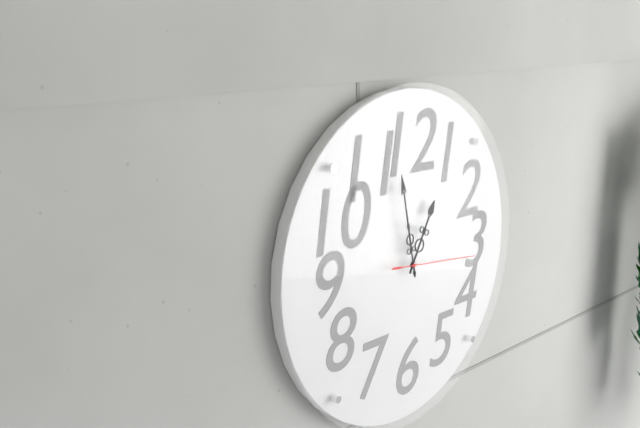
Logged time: h=12 m=58 s=16
